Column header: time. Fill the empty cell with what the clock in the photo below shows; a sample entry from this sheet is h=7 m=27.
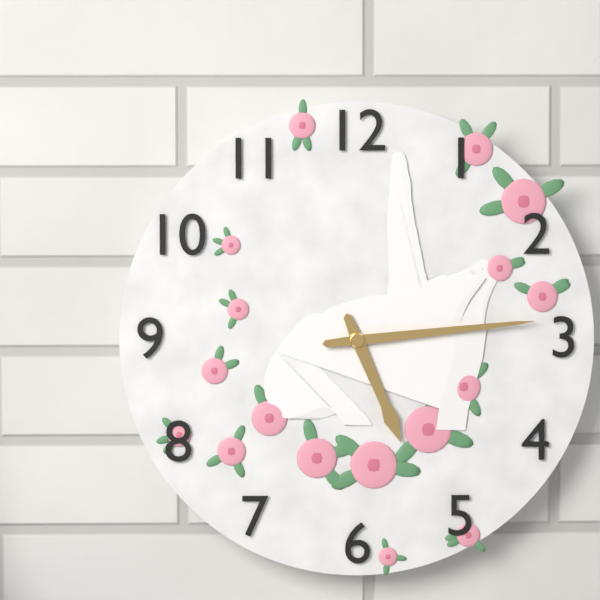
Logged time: h=5 m=14
